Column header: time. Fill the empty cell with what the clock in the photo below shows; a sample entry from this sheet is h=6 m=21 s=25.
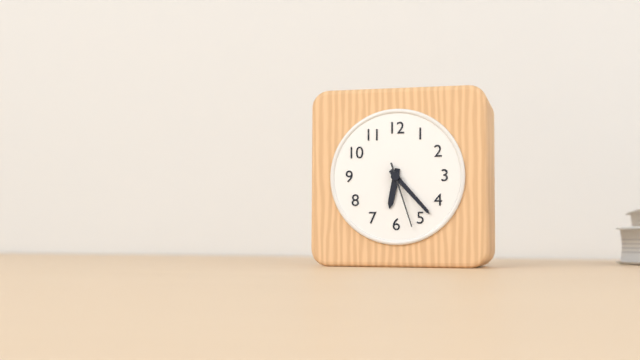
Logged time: h=6 m=23 s=27
